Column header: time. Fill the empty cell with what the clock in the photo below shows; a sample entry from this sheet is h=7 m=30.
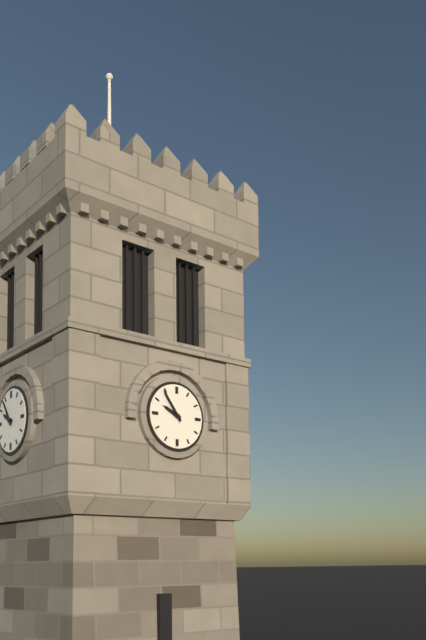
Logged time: h=9 m=54
